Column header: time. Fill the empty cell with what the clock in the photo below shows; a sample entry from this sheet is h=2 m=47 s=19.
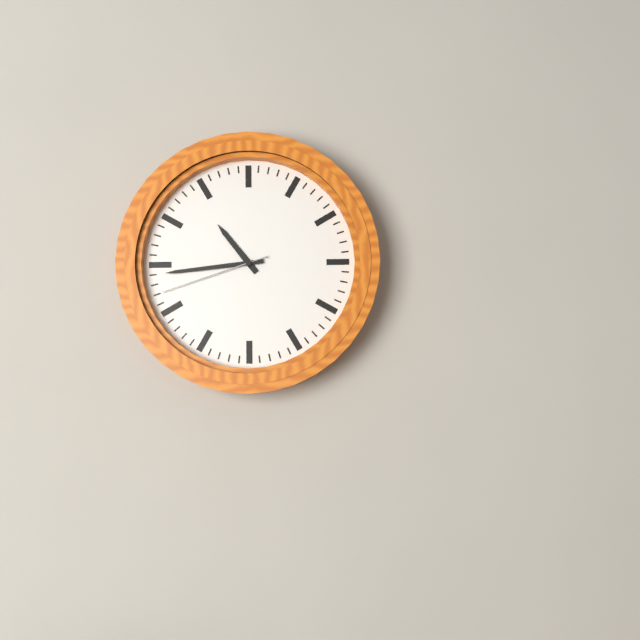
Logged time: h=10 m=44 s=42
